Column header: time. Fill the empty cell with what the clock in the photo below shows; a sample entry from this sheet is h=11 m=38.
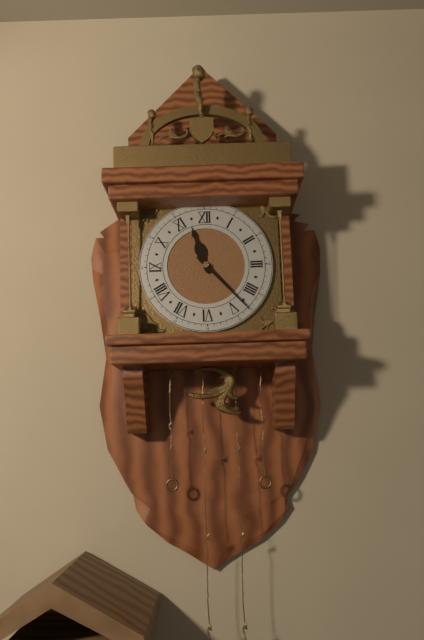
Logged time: h=11 m=23
